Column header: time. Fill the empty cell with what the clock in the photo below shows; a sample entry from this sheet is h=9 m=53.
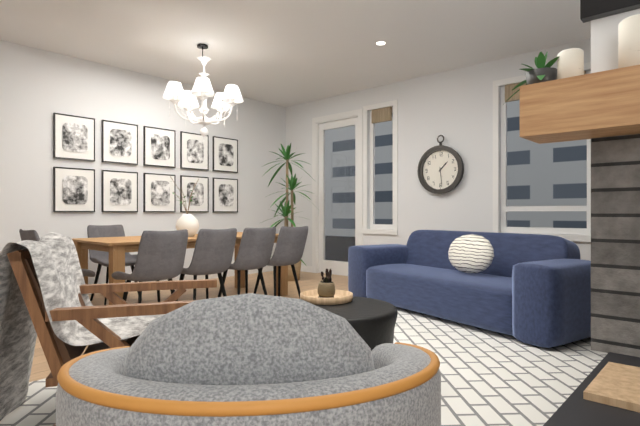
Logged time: h=1 m=29
